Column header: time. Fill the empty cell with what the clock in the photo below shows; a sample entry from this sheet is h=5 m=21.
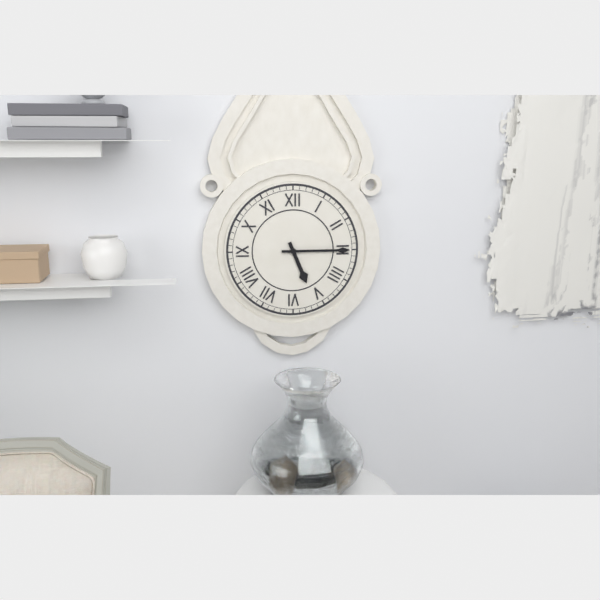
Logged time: h=5 m=15
